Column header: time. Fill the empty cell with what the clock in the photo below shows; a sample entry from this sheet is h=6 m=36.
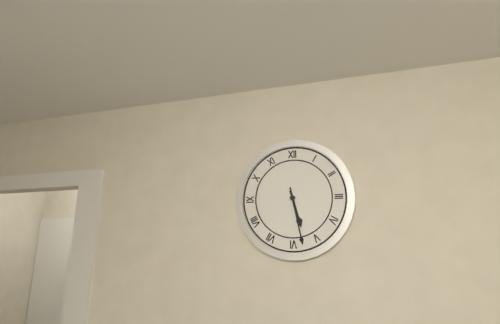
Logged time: h=5 m=28
